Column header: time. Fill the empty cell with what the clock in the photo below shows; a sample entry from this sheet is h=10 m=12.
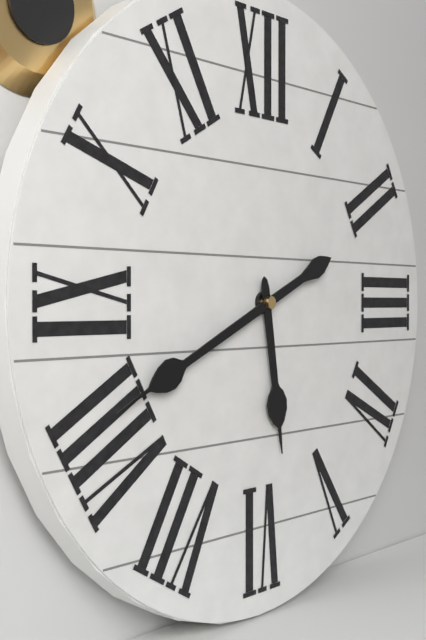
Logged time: h=5 m=41
